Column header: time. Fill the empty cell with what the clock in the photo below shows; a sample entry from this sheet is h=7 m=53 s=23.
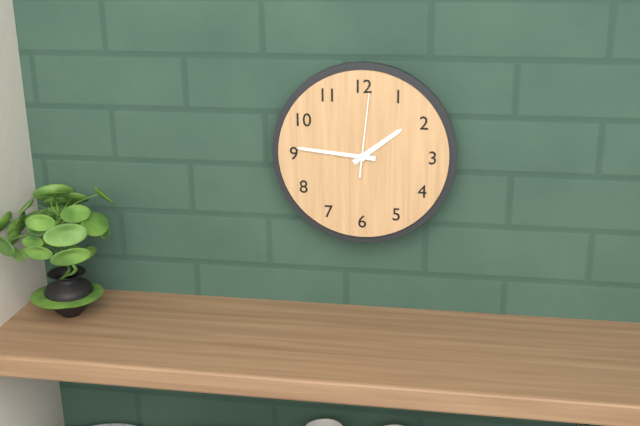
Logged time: h=1 m=46 s=1
